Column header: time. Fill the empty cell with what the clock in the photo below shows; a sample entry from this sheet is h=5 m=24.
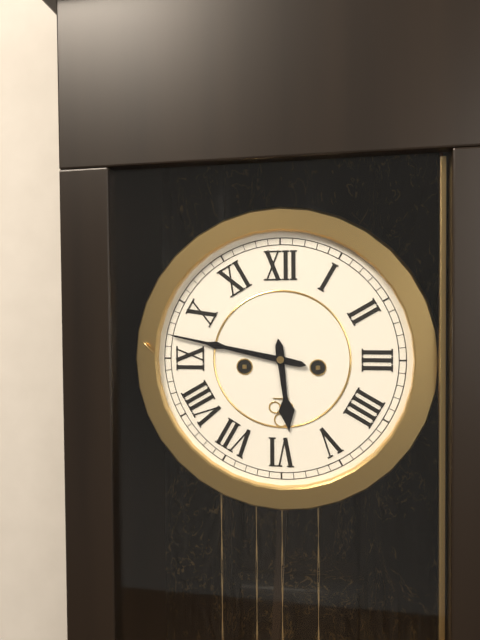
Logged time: h=5 m=47
